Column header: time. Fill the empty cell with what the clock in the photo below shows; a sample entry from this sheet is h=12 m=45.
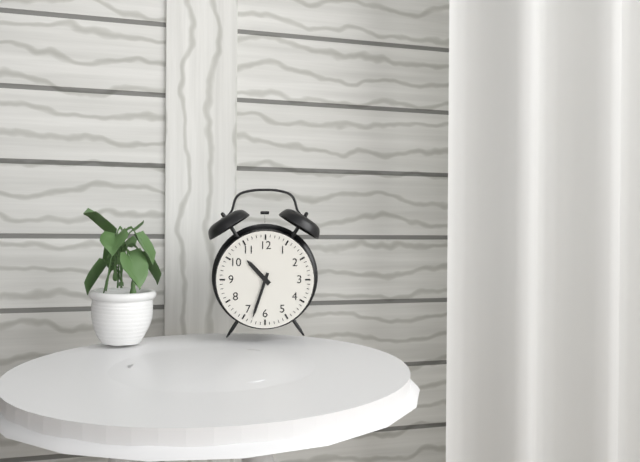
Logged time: h=10 m=33
